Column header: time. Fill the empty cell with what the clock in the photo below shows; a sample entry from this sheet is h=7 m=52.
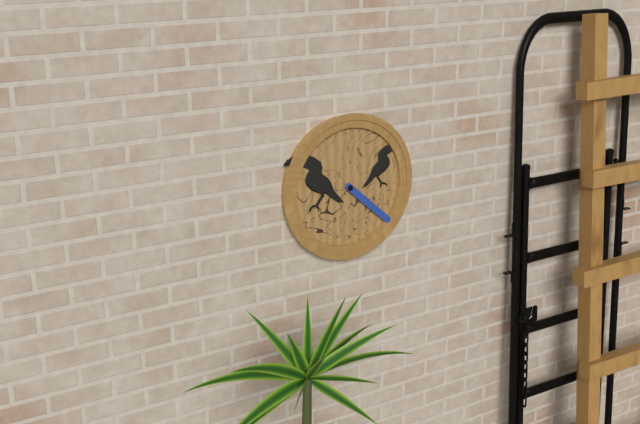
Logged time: h=4 m=22
